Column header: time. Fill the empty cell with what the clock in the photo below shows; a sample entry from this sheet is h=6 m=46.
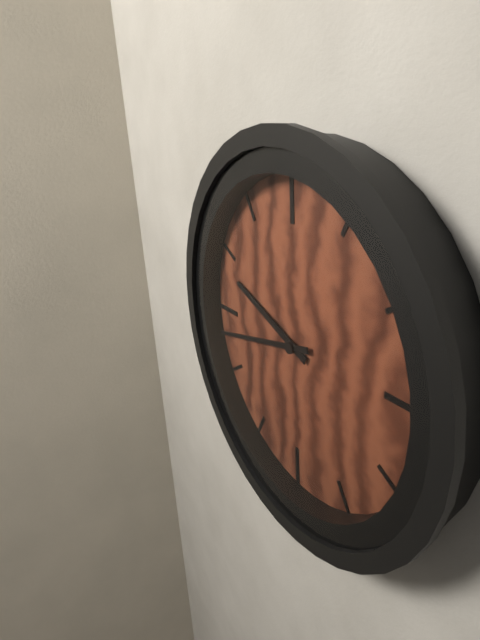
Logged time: h=9 m=43
